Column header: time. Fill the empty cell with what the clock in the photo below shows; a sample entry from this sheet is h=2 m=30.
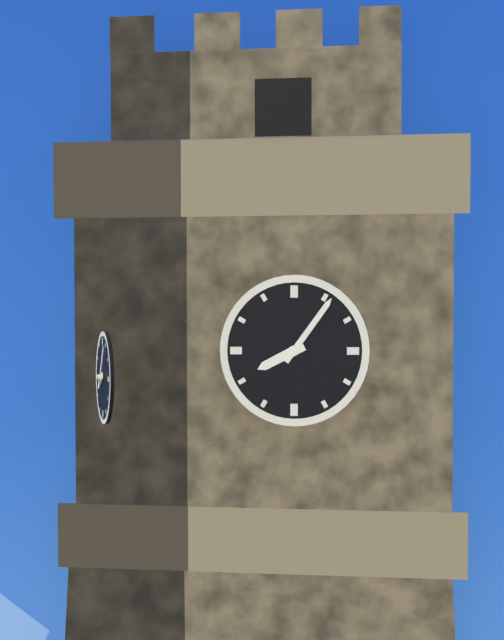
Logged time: h=8 m=6
